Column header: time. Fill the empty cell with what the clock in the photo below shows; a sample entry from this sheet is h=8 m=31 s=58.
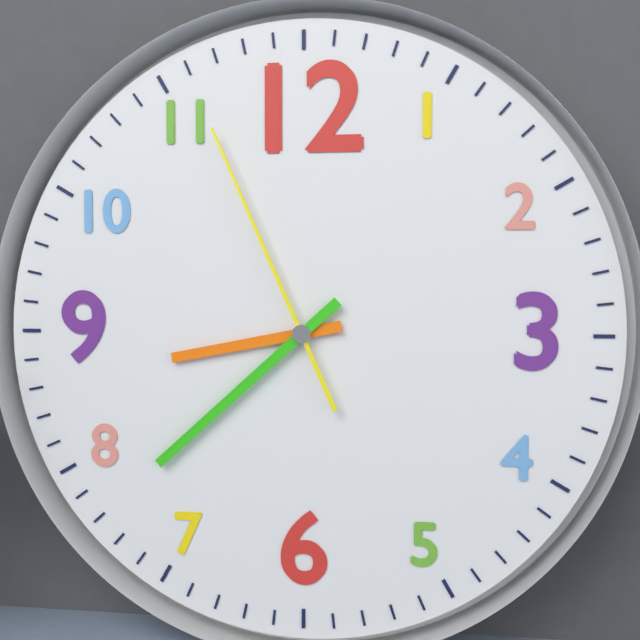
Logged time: h=8 m=38 s=56
